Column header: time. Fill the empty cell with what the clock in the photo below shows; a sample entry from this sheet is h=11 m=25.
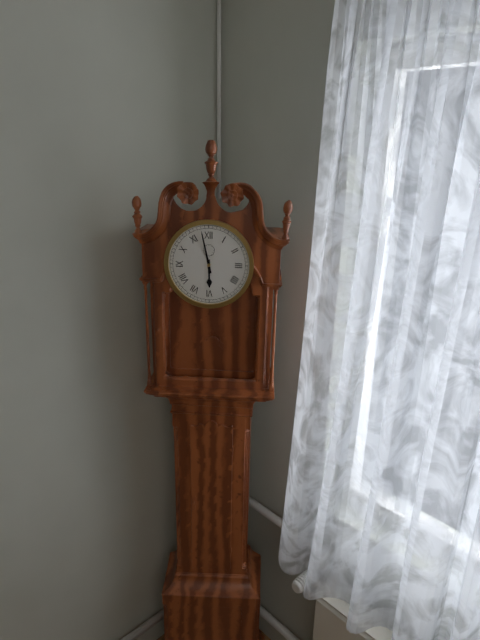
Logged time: h=5 m=58
